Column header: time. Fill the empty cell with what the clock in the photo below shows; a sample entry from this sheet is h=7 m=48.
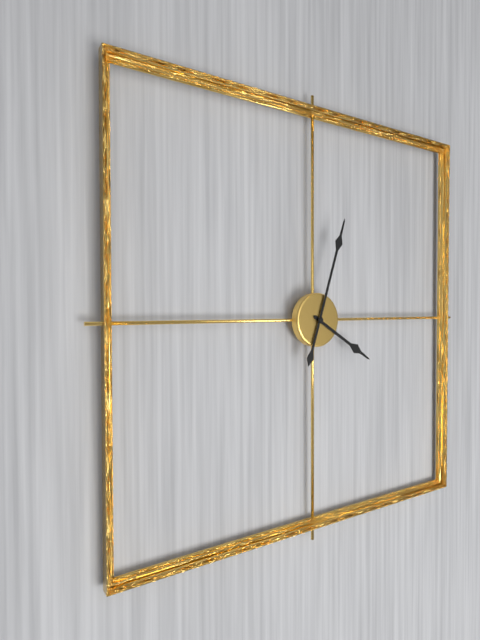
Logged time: h=4 m=3
